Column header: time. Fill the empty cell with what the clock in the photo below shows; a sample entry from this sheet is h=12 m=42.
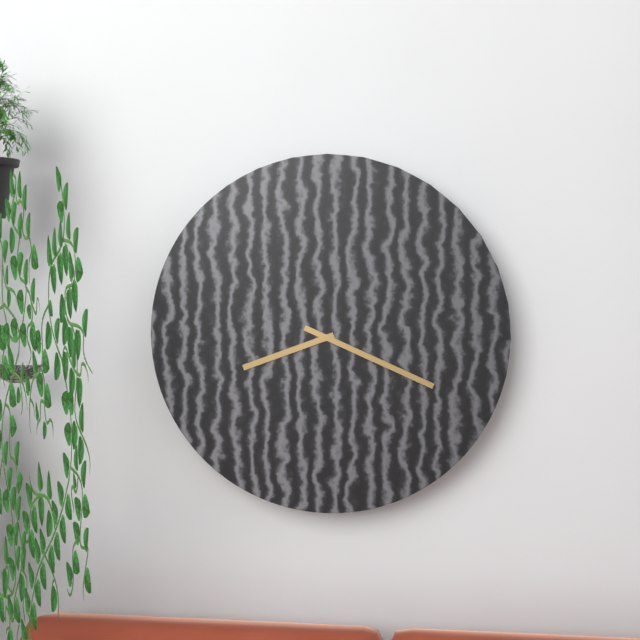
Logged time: h=8 m=19
